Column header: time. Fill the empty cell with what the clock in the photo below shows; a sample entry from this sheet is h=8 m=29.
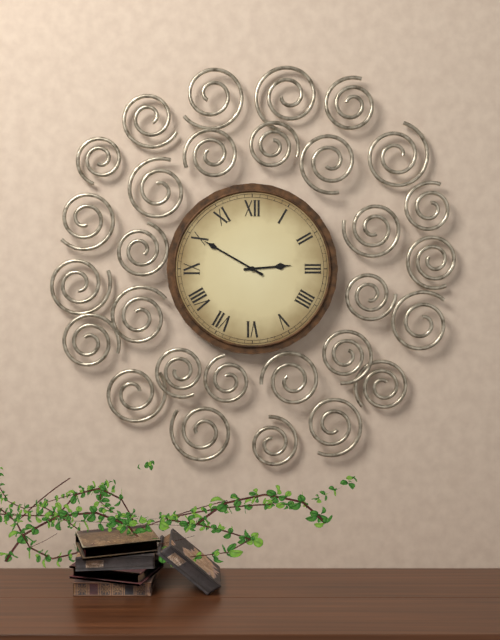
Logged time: h=2 m=50
